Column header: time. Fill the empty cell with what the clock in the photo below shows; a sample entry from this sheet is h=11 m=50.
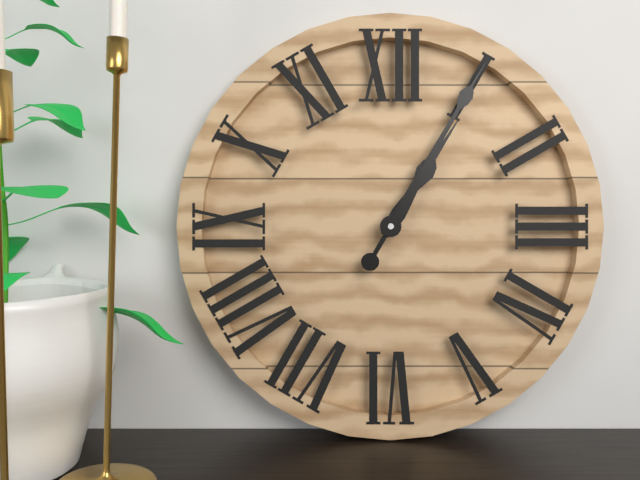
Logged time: h=1 m=5
